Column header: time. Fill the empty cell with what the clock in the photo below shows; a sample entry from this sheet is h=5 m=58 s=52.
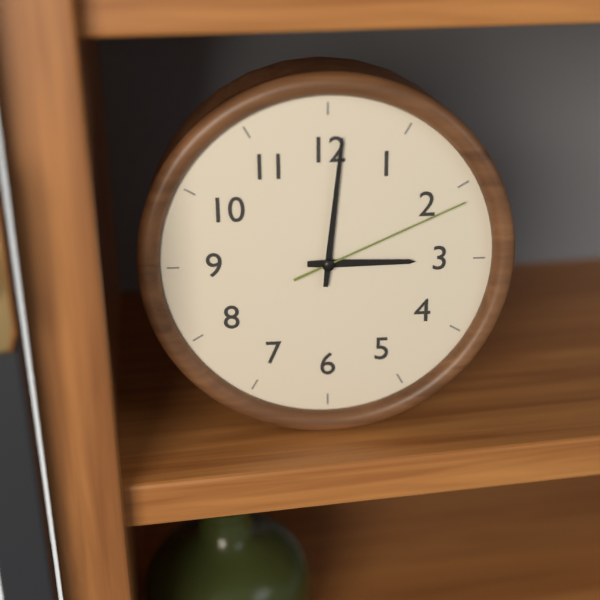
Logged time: h=3 m=1 s=11
